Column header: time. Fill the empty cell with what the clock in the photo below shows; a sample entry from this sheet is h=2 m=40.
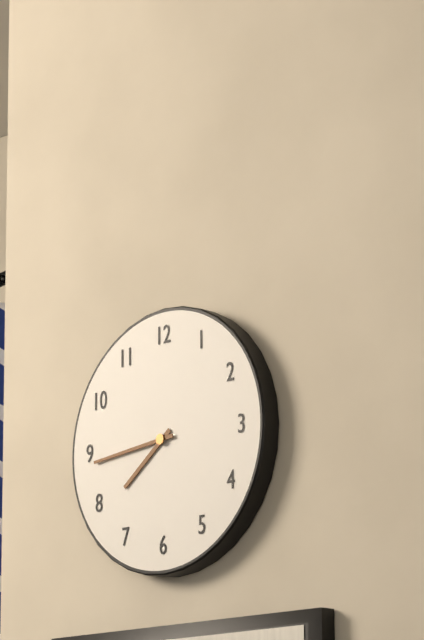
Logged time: h=7 m=44
